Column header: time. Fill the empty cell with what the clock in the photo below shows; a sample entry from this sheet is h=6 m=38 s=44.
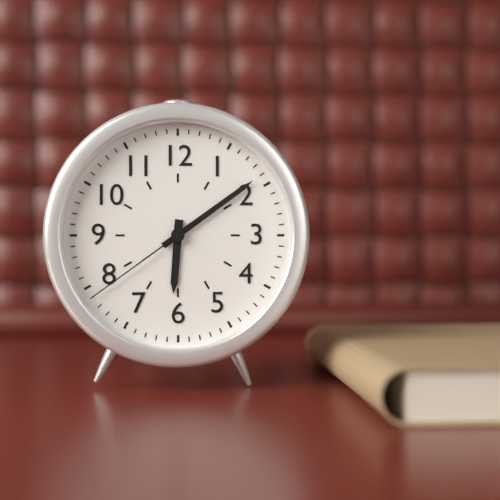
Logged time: h=6 m=9 s=39
